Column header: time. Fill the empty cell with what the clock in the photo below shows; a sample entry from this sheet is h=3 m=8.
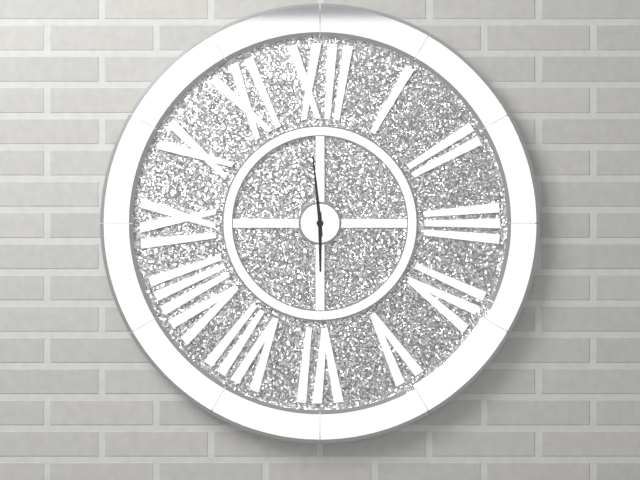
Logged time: h=5 m=59
